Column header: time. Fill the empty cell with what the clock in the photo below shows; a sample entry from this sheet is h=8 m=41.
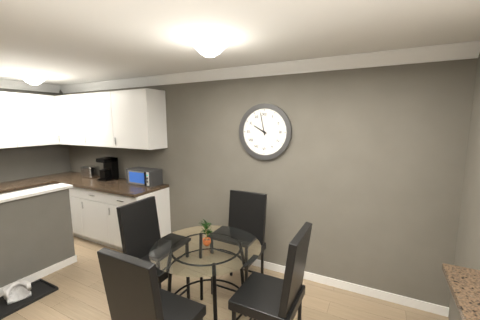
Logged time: h=9 m=58
